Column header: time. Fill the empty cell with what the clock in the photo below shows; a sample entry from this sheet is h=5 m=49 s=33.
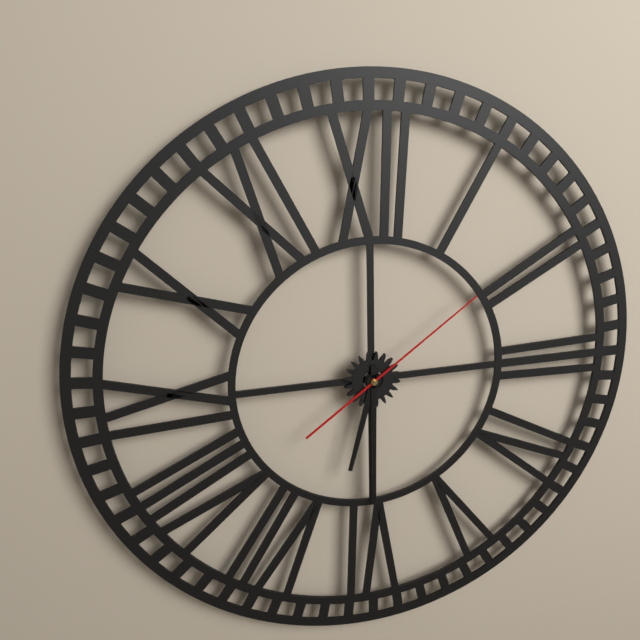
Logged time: h=6 m=30 s=9
